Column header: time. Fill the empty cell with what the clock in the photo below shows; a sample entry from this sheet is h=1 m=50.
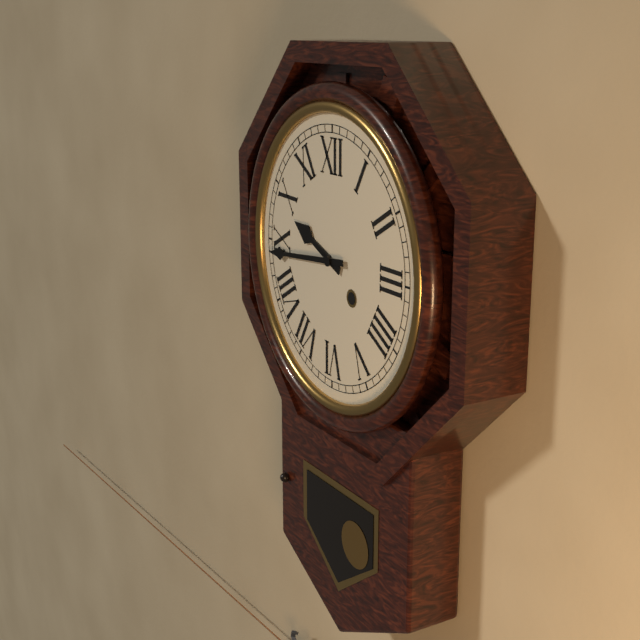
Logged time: h=9 m=44
